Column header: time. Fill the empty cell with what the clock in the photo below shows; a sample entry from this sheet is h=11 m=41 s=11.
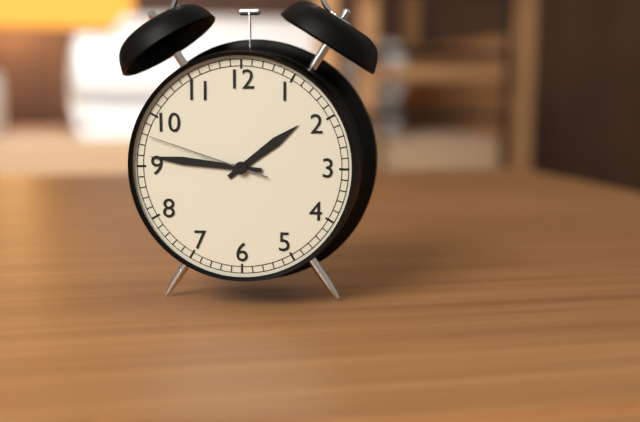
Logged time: h=1 m=46 s=48
